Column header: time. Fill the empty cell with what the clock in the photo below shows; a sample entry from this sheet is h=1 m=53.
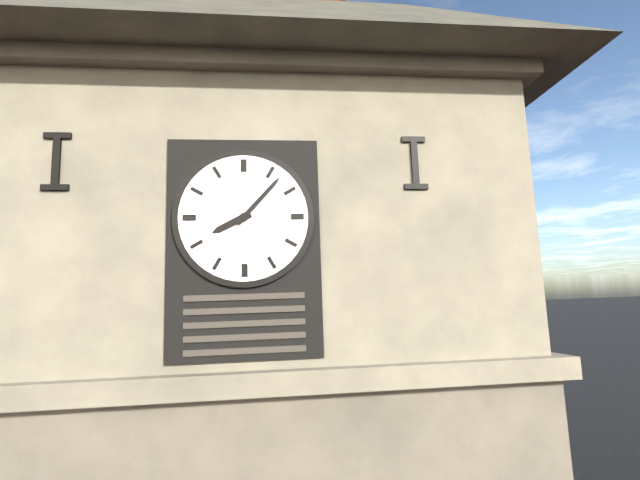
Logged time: h=8 m=7
